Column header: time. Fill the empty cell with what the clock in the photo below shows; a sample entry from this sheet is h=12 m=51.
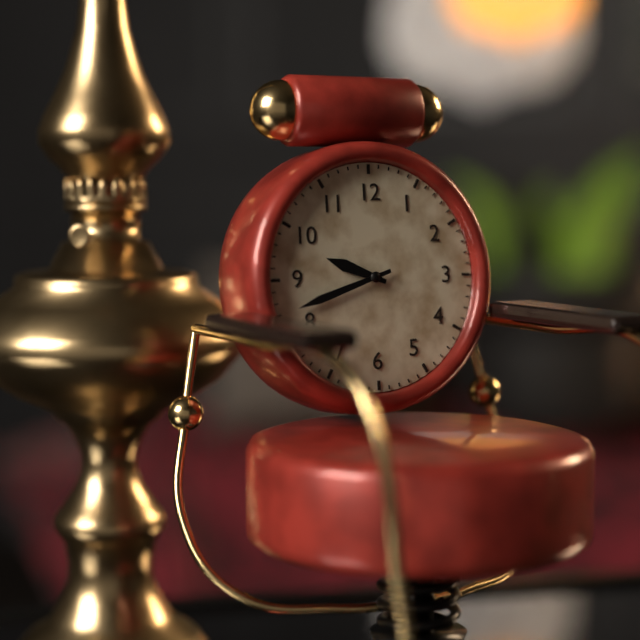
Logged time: h=9 m=42
